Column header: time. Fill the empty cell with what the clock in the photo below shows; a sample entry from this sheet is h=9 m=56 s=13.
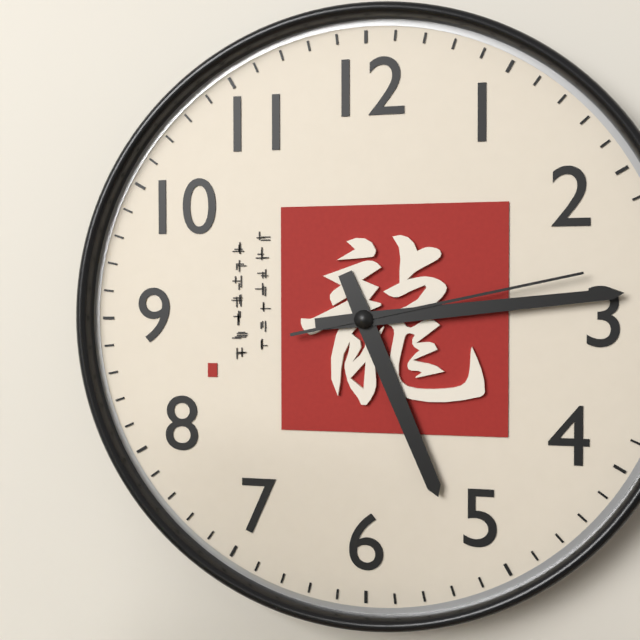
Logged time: h=5 m=14 s=13
